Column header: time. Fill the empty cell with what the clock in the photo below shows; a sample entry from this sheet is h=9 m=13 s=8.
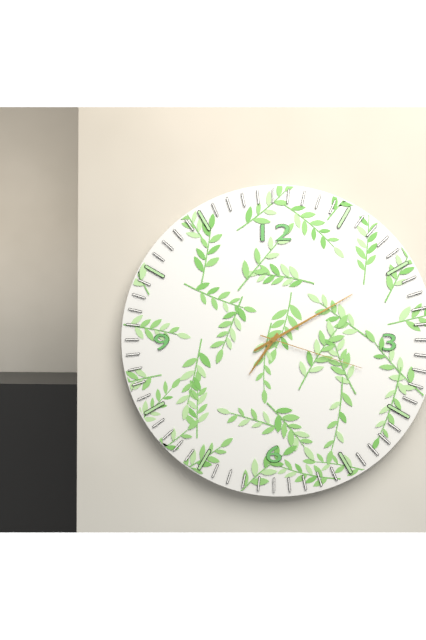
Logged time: h=7 m=10 s=18
